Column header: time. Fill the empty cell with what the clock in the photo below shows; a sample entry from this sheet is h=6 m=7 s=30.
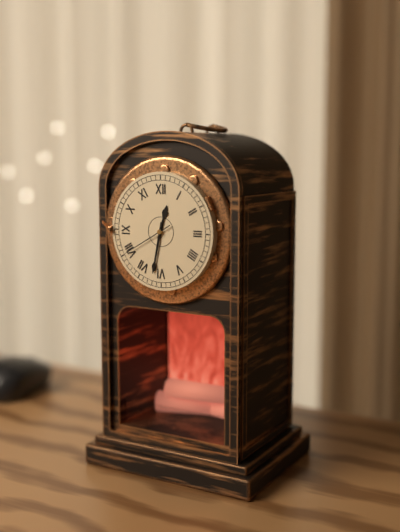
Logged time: h=12 m=32 s=40
